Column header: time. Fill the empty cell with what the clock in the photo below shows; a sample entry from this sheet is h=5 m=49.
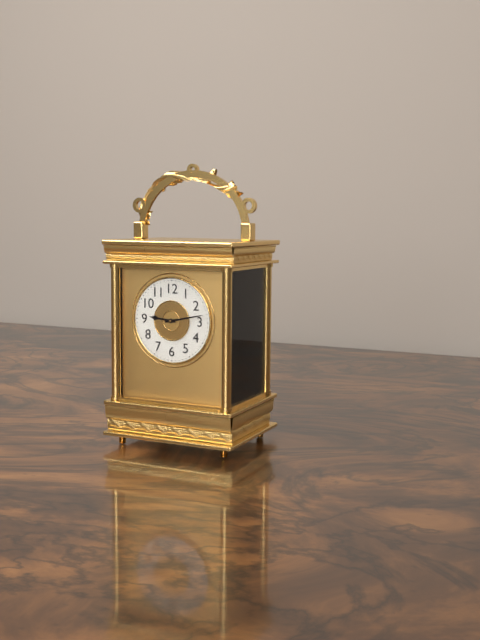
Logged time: h=9 m=13
